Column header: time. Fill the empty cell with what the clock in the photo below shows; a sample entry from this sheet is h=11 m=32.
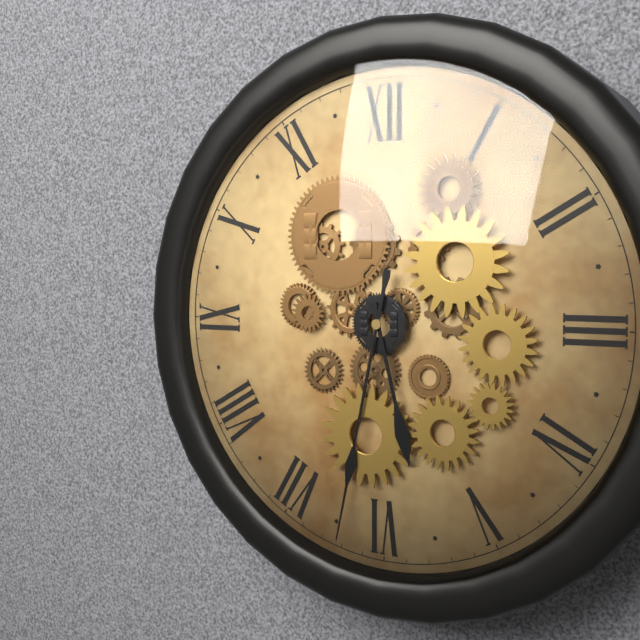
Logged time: h=5 m=32
